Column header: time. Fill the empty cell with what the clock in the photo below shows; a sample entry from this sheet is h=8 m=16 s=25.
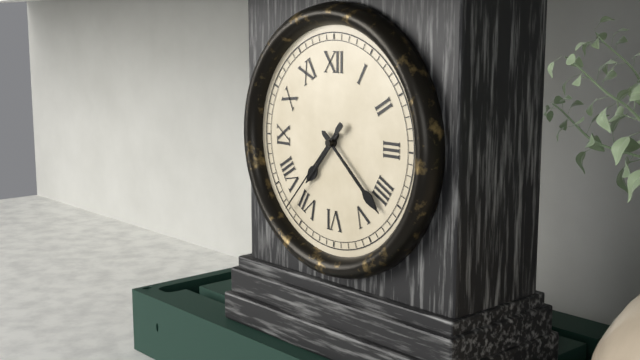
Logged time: h=7 m=22 s=37
